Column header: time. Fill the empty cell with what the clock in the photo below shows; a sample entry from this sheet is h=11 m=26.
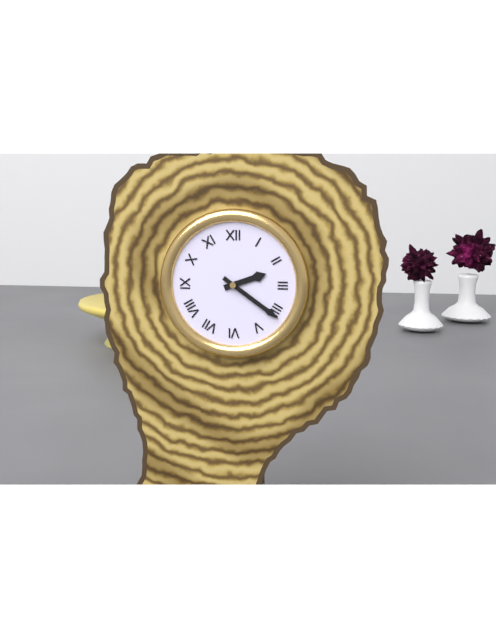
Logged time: h=2 m=21
